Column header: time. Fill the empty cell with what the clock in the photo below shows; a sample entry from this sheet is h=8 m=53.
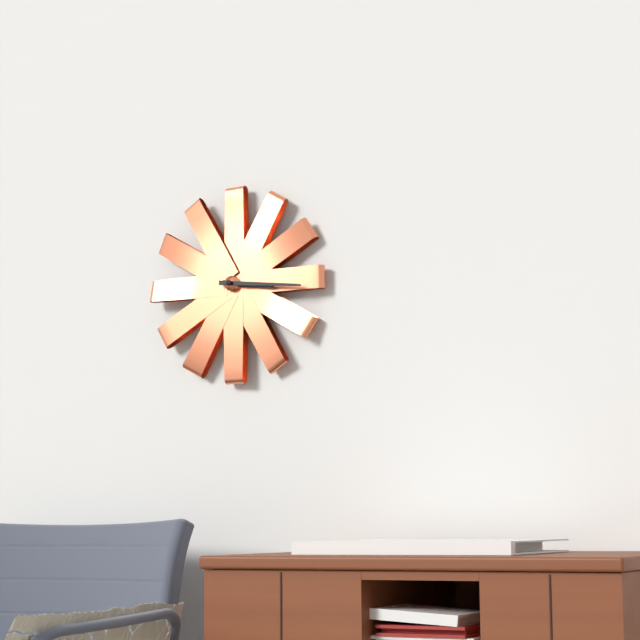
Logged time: h=3 m=16
